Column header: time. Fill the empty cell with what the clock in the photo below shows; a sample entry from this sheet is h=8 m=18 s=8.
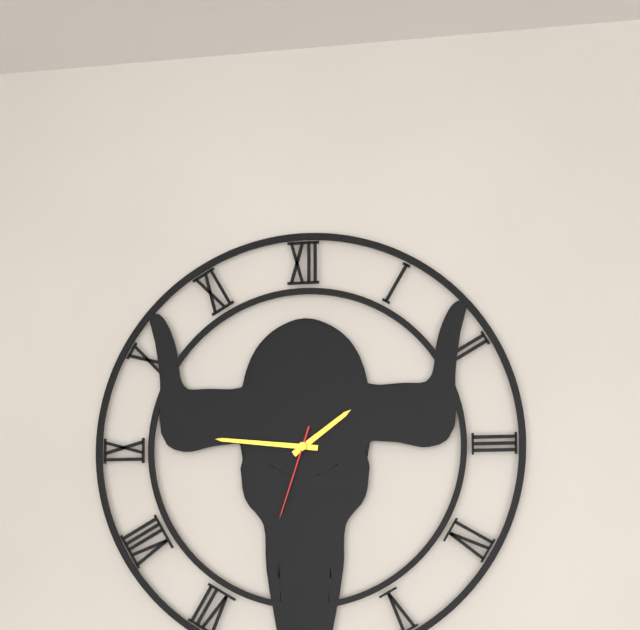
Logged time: h=1 m=46 s=33
